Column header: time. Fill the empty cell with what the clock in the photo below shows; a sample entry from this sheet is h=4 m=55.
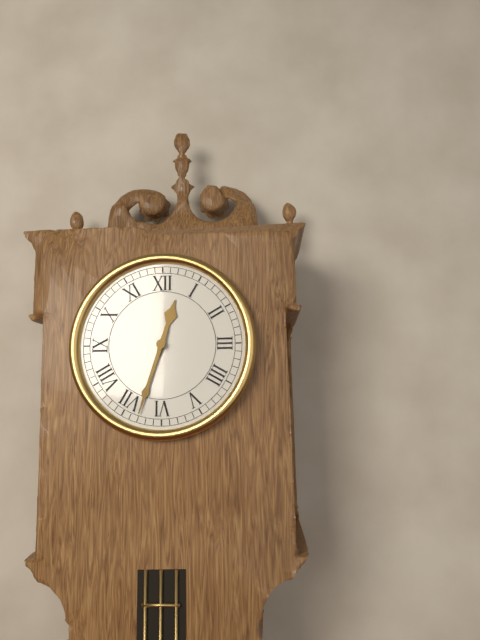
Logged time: h=12 m=33
